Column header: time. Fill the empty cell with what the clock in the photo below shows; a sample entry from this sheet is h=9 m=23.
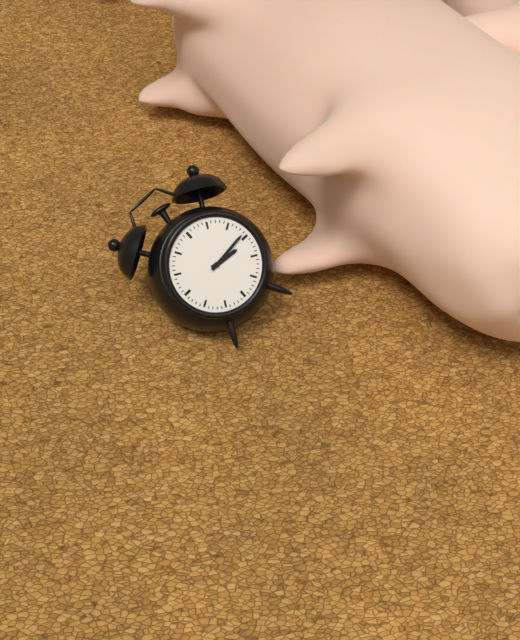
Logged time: h=3 m=14
